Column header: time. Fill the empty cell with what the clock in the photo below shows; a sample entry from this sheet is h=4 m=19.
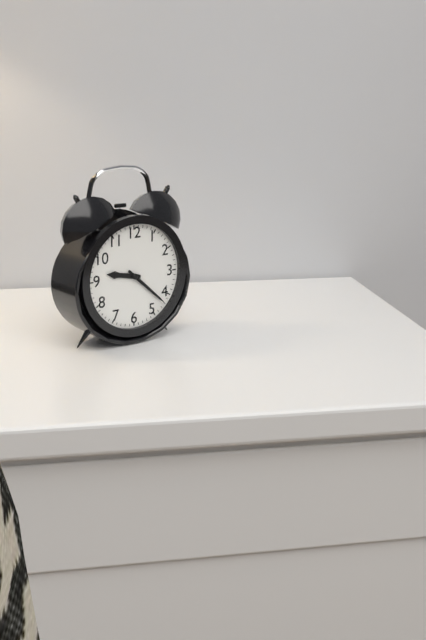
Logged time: h=9 m=22
